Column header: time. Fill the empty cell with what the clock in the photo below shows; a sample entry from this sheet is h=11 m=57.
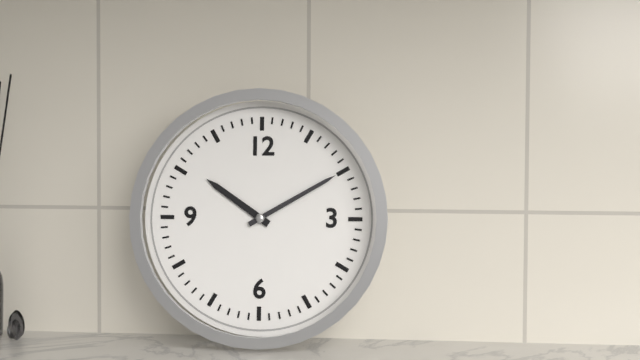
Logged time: h=10 m=10
